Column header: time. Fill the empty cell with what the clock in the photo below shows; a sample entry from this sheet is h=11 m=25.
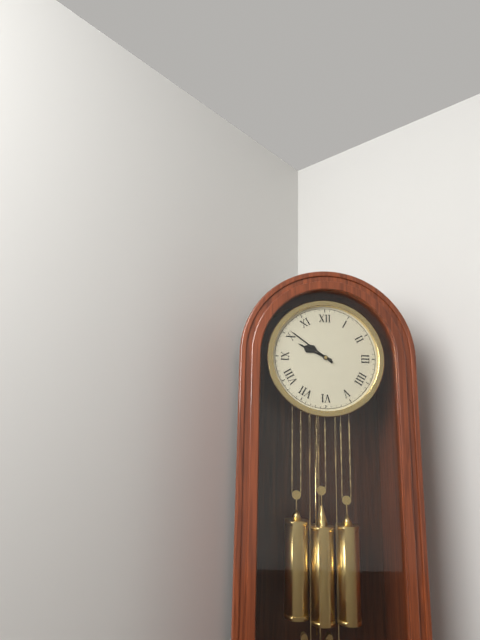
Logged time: h=9 m=51
